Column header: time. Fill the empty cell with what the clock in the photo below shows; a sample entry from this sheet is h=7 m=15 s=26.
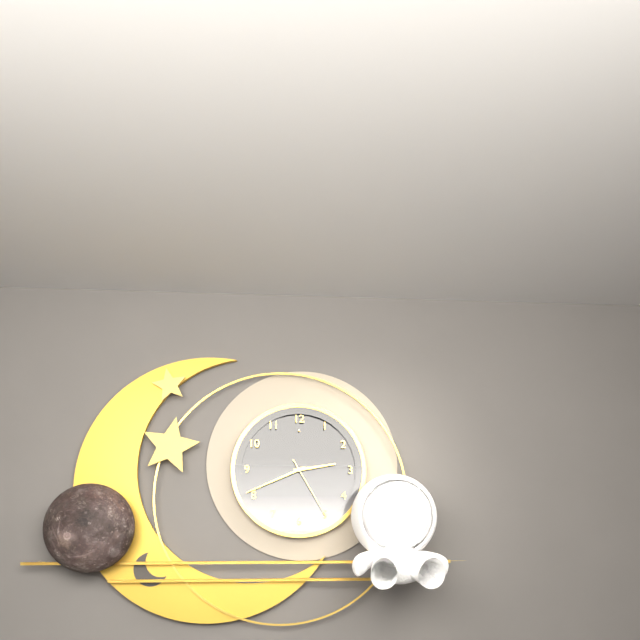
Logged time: h=2 m=41 s=25
